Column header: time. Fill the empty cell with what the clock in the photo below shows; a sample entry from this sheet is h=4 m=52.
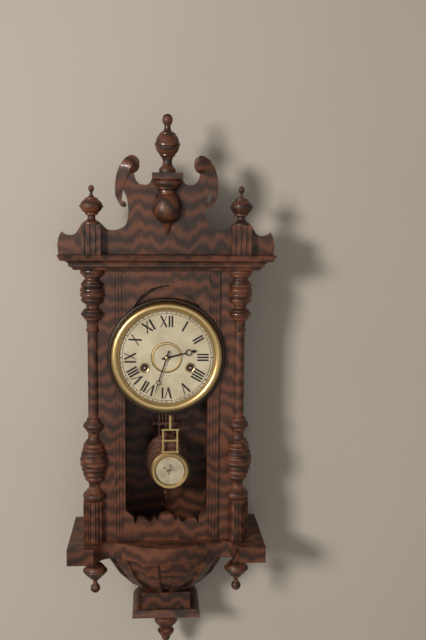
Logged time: h=2 m=33
